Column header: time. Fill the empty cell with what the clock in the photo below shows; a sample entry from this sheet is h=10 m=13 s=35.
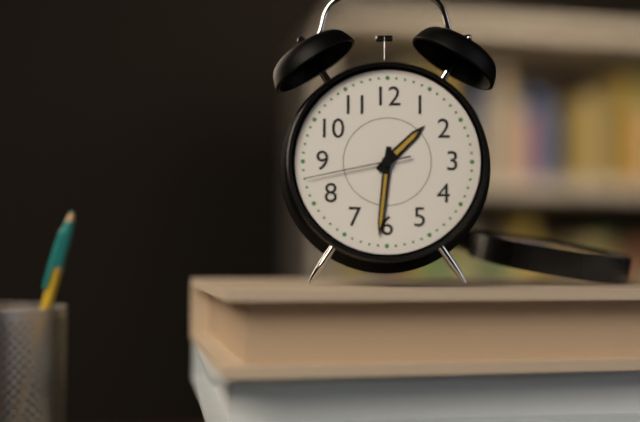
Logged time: h=1 m=31 s=43
